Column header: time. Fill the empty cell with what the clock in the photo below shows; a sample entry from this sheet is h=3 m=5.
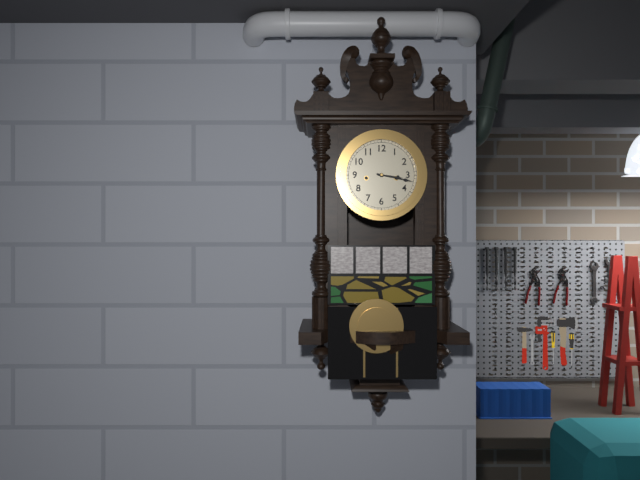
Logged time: h=3 m=17
